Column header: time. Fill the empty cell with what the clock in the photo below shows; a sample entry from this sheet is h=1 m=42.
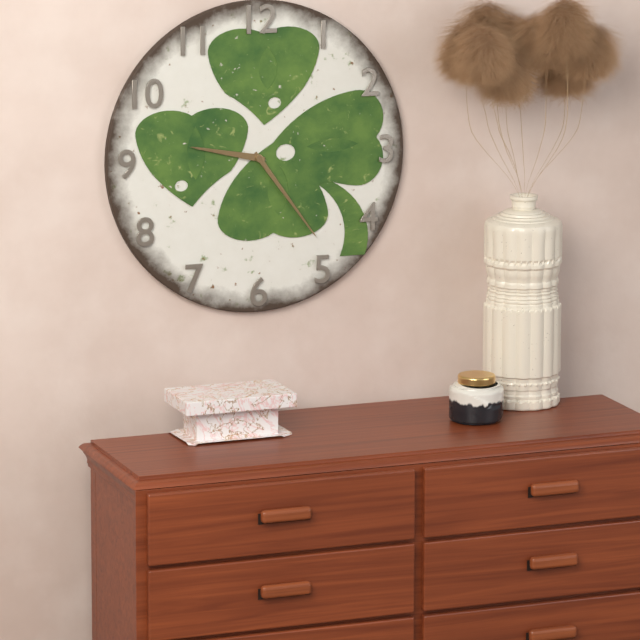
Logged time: h=9 m=24
